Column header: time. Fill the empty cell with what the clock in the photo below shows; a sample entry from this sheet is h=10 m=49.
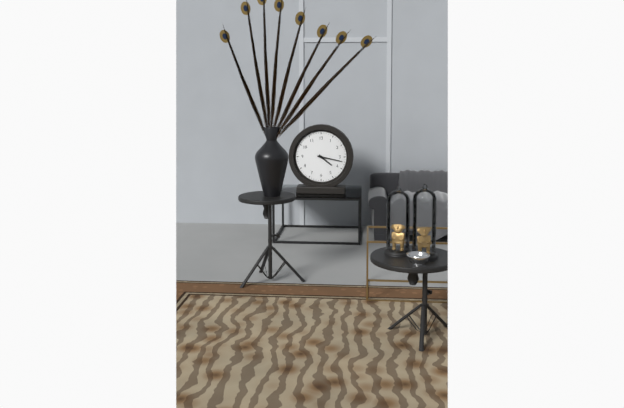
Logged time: h=4 m=17
